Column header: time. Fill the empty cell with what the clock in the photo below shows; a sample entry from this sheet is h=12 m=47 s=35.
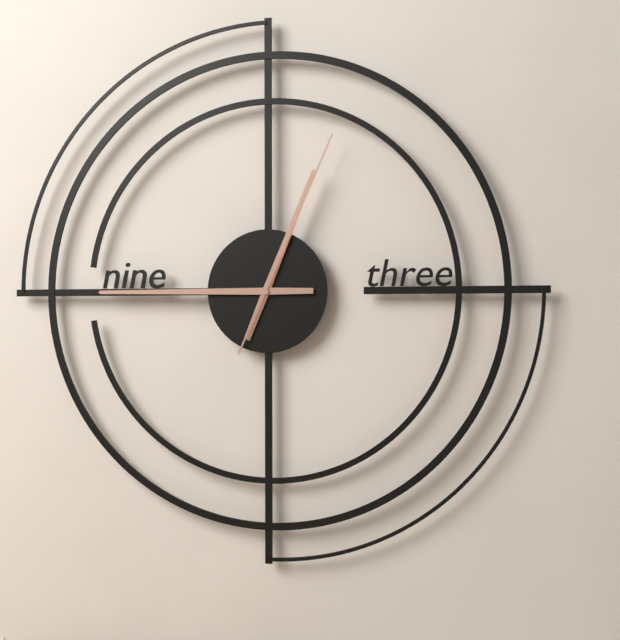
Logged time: h=12 m=45 s=4
